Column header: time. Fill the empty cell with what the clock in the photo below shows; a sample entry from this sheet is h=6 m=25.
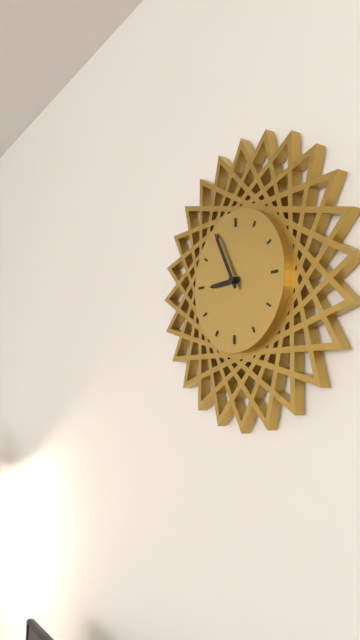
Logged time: h=8 m=55
